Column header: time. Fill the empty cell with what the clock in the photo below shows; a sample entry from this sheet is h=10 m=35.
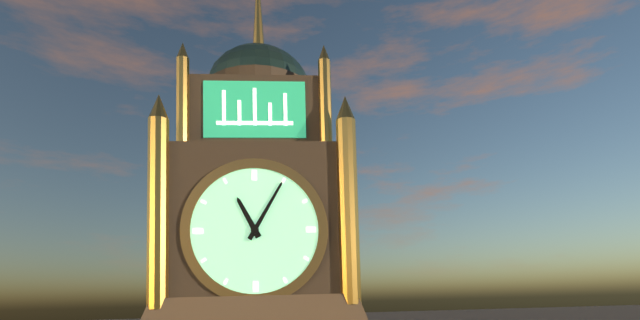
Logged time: h=11 m=5
